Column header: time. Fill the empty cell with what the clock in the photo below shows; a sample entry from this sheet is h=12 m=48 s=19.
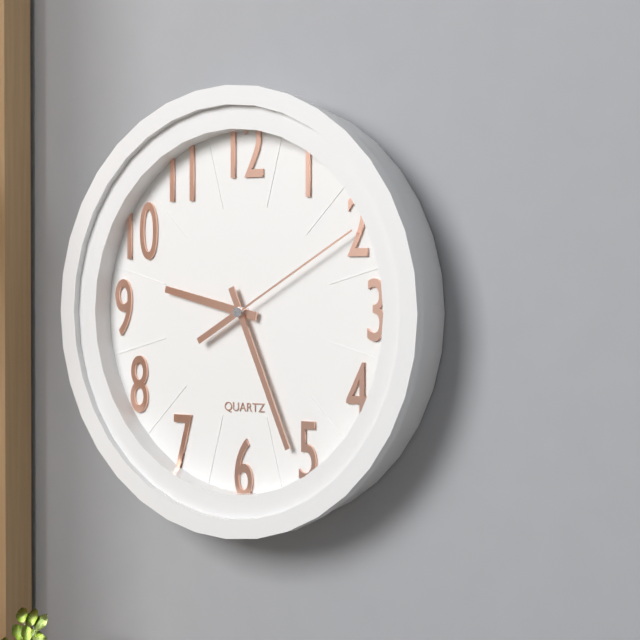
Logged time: h=9 m=26 s=10
